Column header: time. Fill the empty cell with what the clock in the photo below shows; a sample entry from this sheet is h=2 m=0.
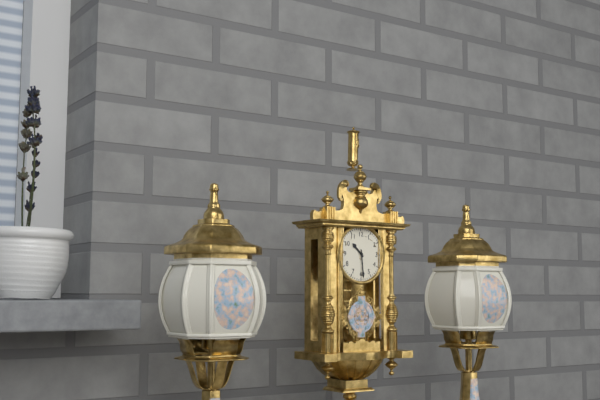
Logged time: h=10 m=29
